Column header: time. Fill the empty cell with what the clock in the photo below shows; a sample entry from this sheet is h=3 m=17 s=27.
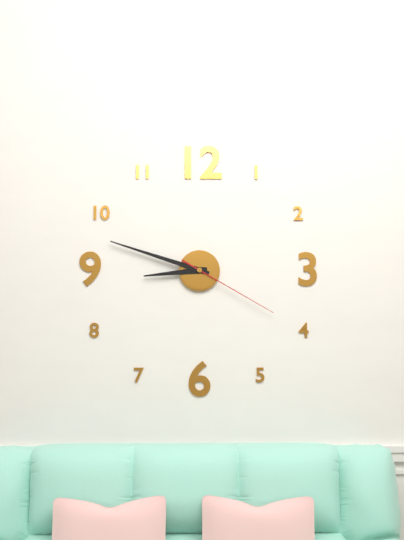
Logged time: h=8 m=48 s=20
